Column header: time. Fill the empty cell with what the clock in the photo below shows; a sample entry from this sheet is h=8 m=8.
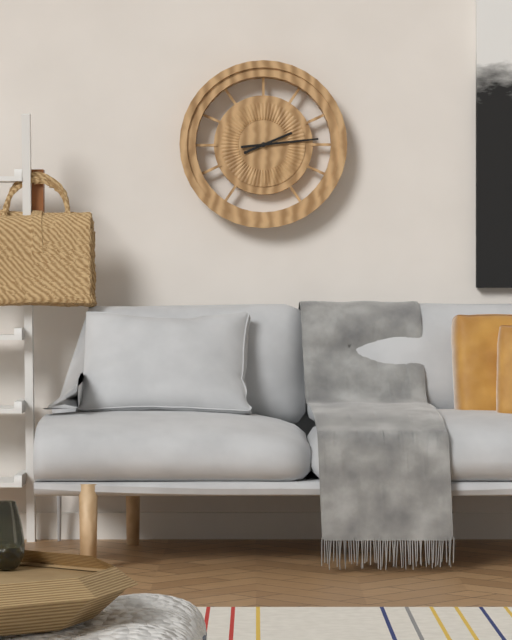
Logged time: h=2 m=14
